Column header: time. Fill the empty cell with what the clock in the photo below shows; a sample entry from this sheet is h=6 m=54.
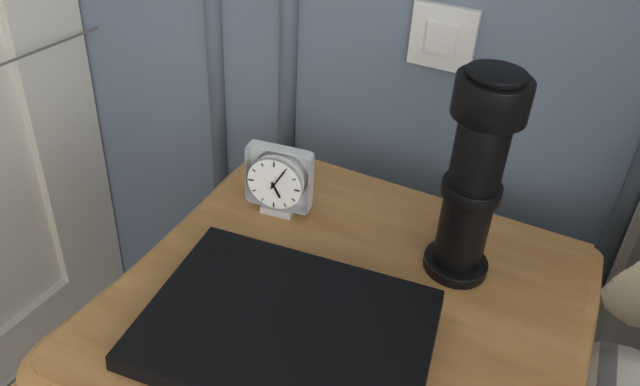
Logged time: h=5 m=5
